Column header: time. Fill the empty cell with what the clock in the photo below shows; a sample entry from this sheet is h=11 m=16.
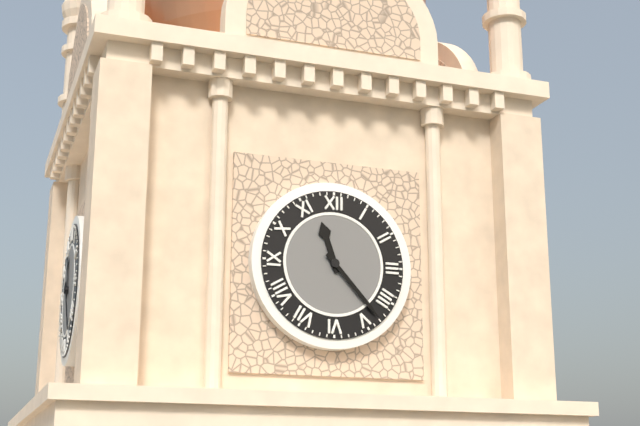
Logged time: h=11 m=23
